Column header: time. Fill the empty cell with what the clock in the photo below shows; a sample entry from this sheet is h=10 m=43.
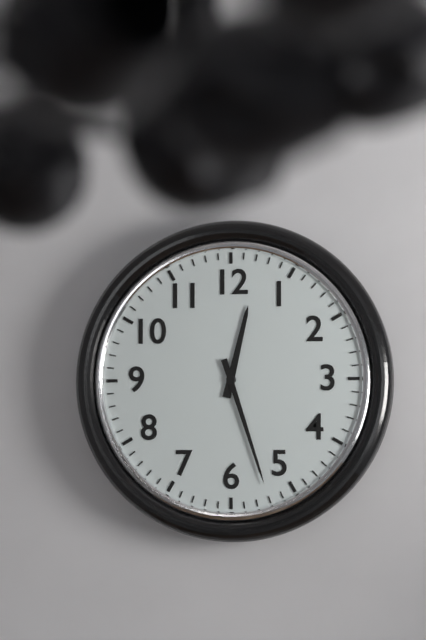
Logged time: h=12 m=27
